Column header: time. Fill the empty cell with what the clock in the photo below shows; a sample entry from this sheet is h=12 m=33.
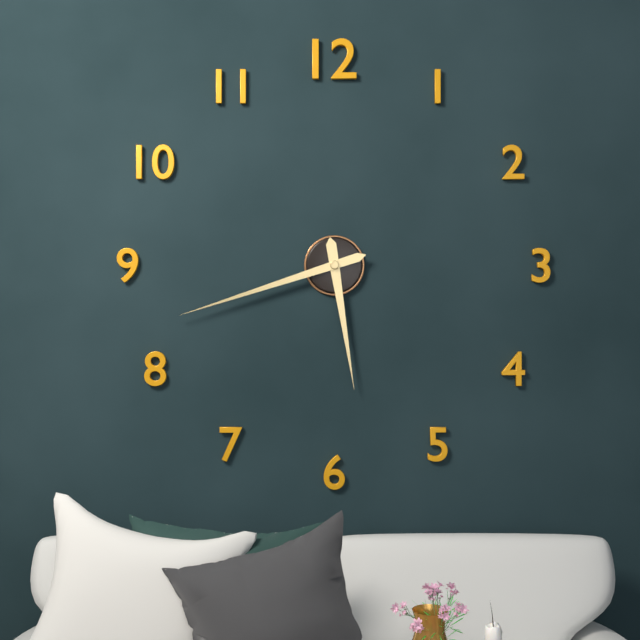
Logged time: h=5 m=42
